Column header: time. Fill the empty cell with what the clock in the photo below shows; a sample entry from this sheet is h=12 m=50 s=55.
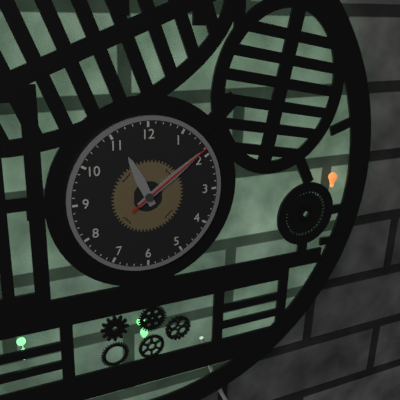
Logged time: h=11 m=9 s=9
